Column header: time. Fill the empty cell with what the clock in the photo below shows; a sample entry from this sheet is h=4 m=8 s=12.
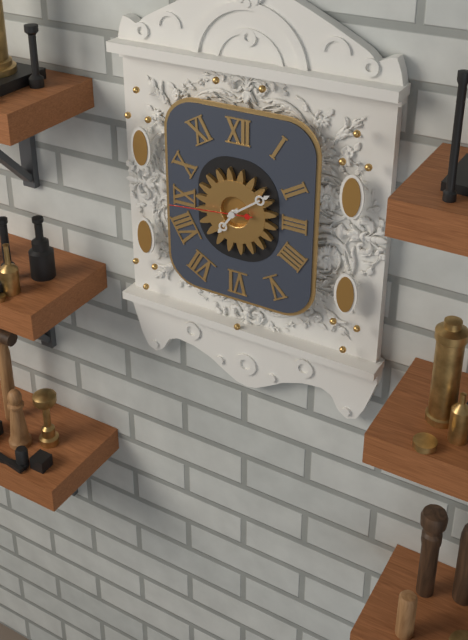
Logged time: h=7 m=9 s=44
